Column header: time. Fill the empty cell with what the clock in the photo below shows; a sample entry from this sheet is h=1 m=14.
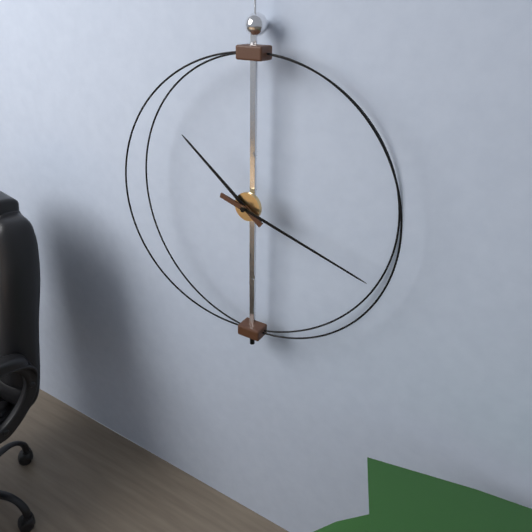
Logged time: h=10 m=18
